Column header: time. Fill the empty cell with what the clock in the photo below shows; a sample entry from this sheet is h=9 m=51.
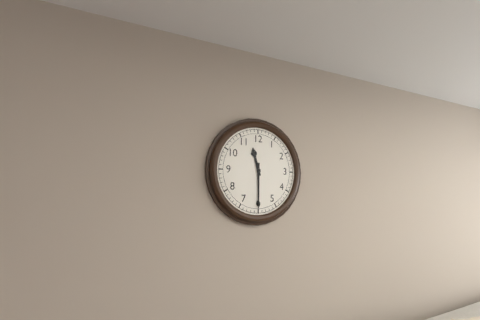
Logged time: h=11 m=30
